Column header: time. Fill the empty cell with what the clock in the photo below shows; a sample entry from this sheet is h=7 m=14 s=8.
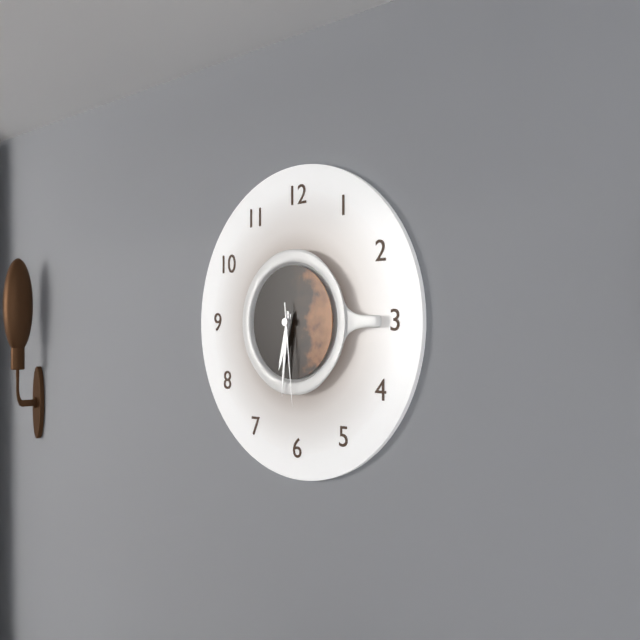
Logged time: h=6 m=31 s=29
